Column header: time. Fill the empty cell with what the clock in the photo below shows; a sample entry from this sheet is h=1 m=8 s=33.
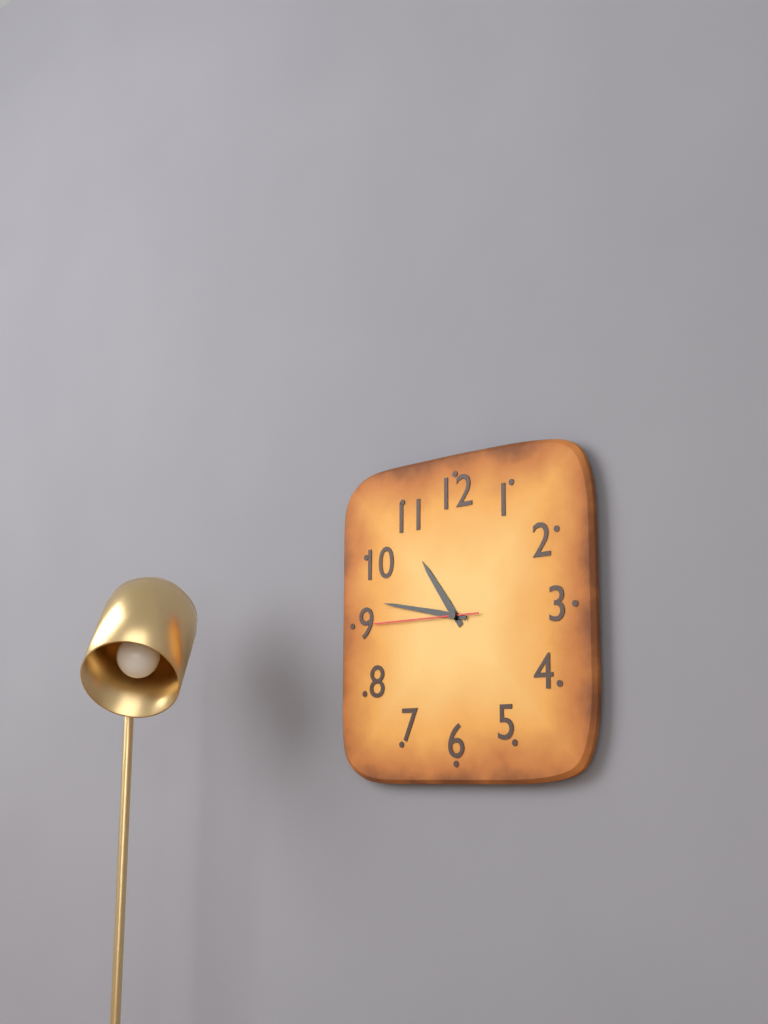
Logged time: h=10 m=47 s=45
